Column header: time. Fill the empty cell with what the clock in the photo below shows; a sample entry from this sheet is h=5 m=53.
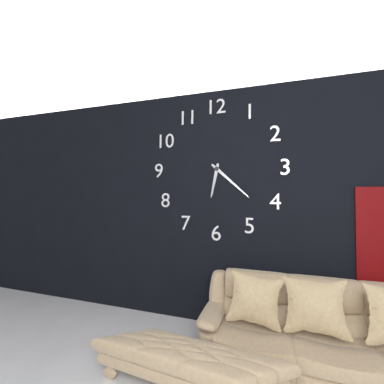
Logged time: h=6 m=22
